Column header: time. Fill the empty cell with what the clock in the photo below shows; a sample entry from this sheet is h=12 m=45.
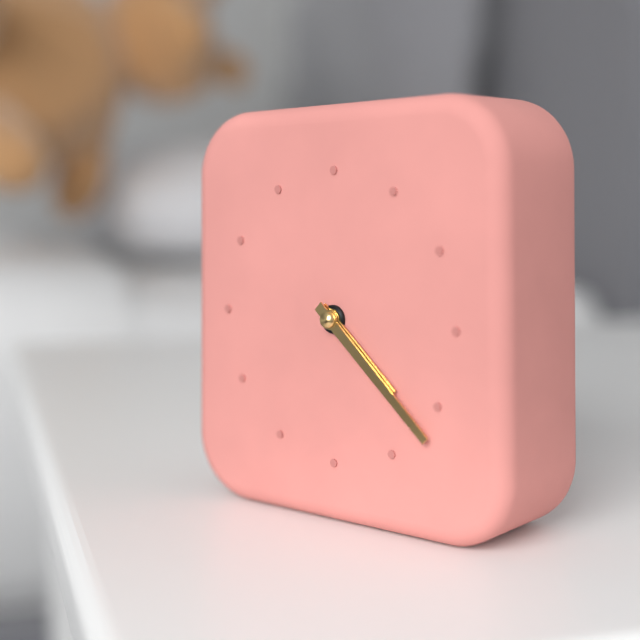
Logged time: h=4 m=22
